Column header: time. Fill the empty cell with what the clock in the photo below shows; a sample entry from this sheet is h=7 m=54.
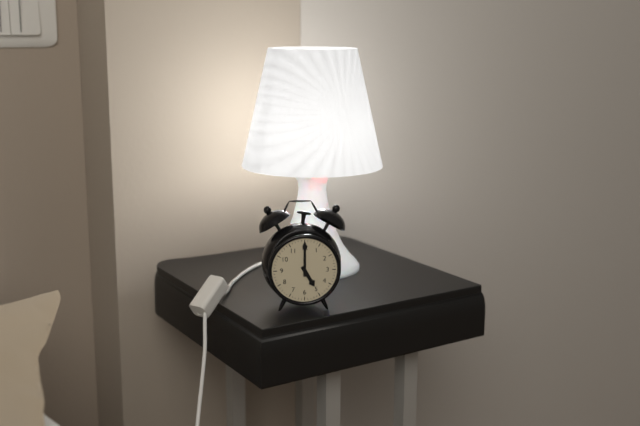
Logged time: h=5 m=0
